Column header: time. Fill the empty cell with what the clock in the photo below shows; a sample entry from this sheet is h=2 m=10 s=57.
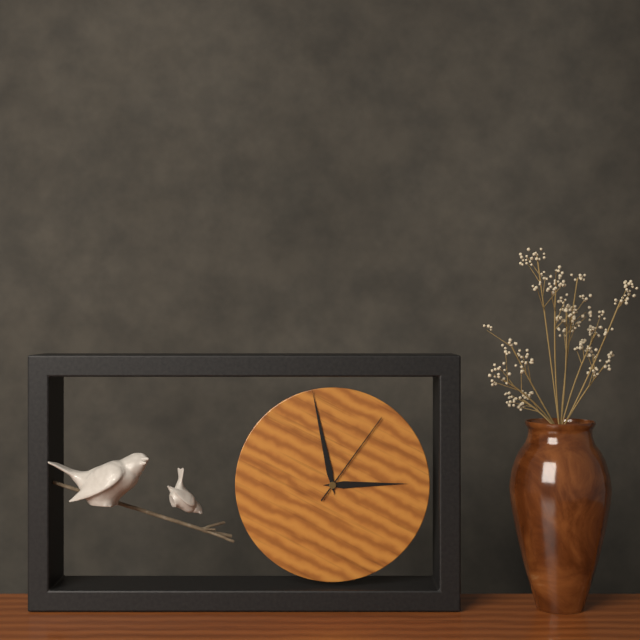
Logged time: h=2 m=58 s=6
